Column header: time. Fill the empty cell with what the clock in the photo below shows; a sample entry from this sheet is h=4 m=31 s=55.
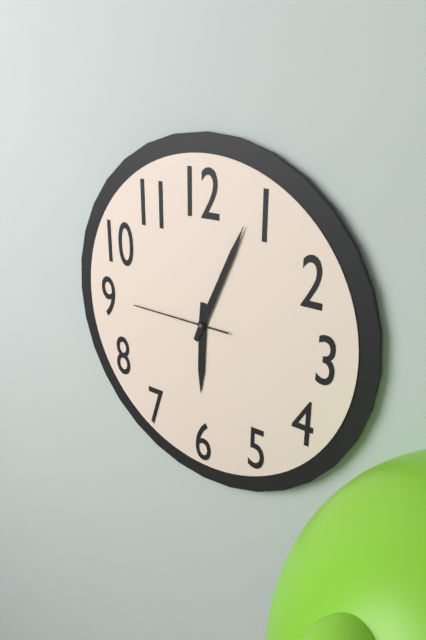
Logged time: h=6 m=4 s=45
